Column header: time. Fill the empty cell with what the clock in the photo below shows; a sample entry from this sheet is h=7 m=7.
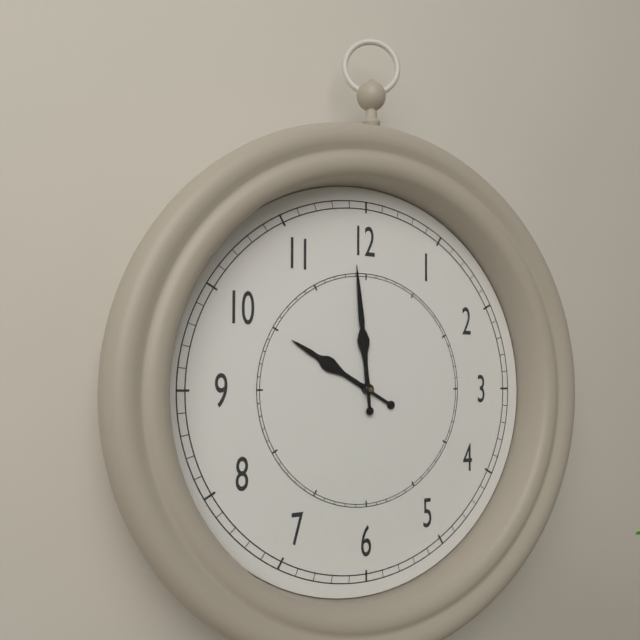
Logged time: h=9 m=59
